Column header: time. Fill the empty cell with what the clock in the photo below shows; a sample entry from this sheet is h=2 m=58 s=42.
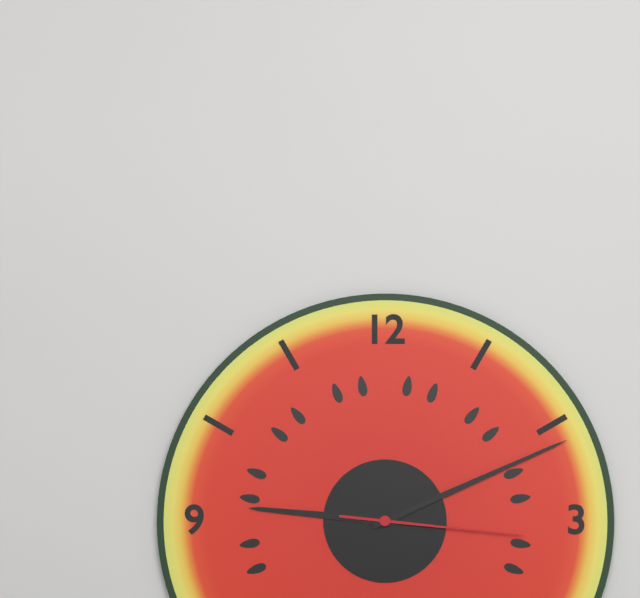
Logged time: h=9 m=11 s=16
